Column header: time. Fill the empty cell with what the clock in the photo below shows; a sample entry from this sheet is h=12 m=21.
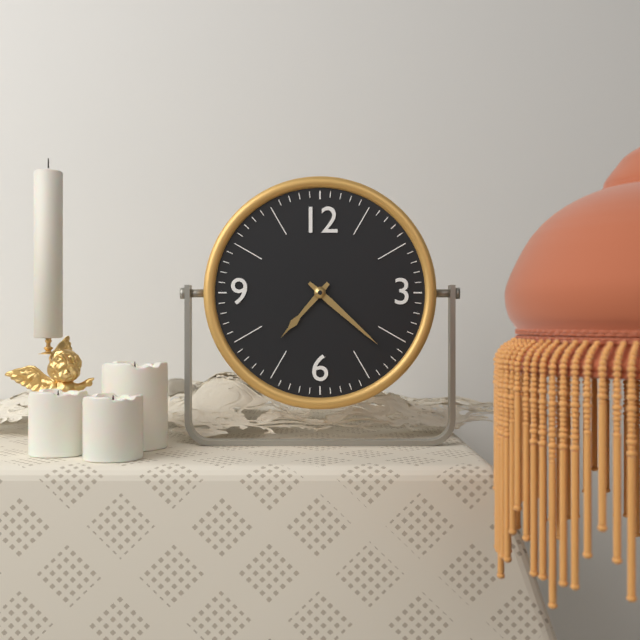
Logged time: h=7 m=22
